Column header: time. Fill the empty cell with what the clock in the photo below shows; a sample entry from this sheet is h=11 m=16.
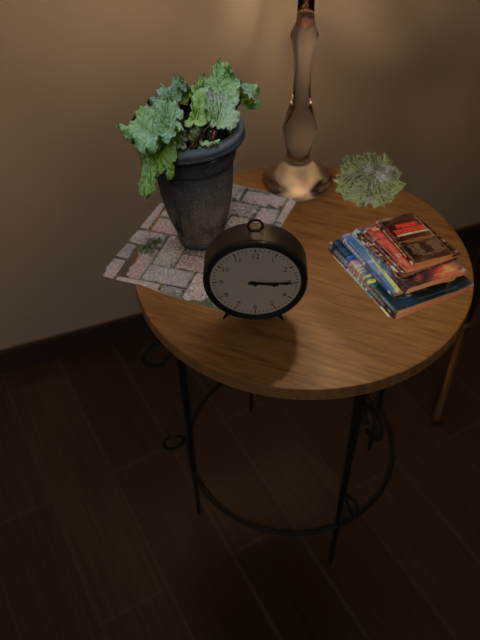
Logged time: h=3 m=15
